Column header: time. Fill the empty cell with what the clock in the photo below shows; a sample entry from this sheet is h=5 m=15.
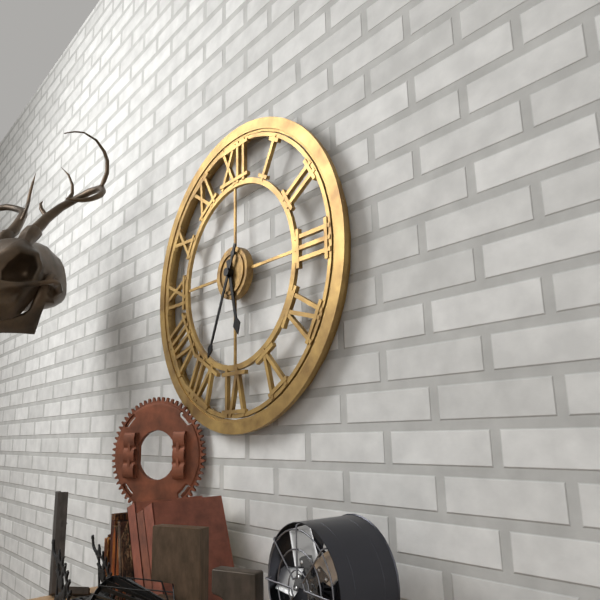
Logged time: h=5 m=34
